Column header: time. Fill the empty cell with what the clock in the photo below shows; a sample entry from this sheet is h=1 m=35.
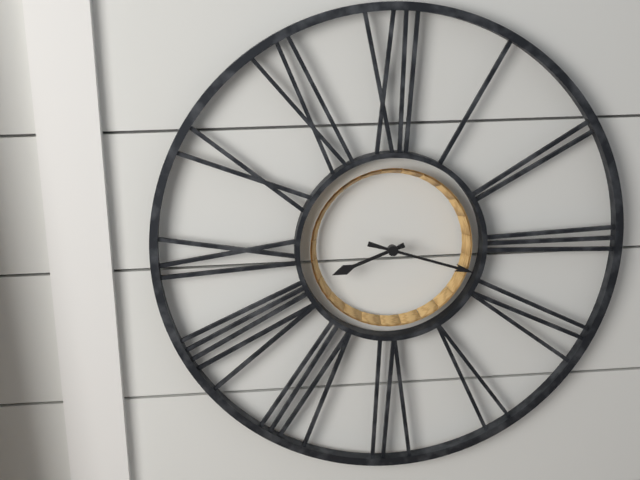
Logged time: h=8 m=18
